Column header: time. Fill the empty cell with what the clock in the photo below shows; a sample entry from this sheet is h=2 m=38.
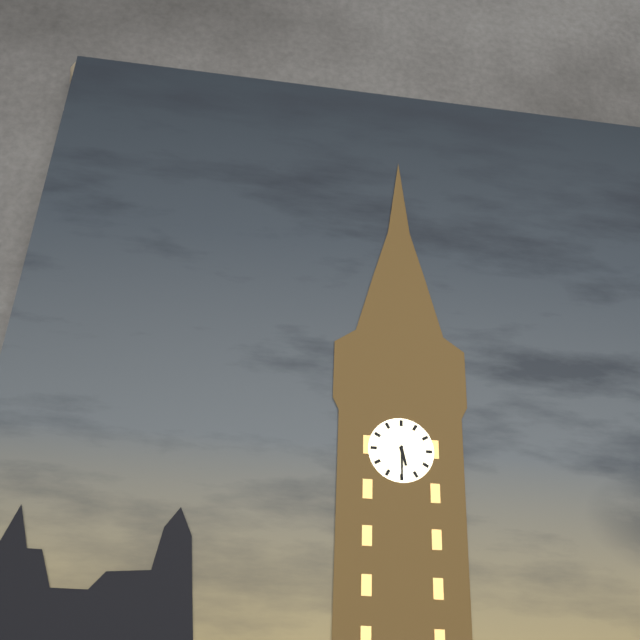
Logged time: h=5 m=30
